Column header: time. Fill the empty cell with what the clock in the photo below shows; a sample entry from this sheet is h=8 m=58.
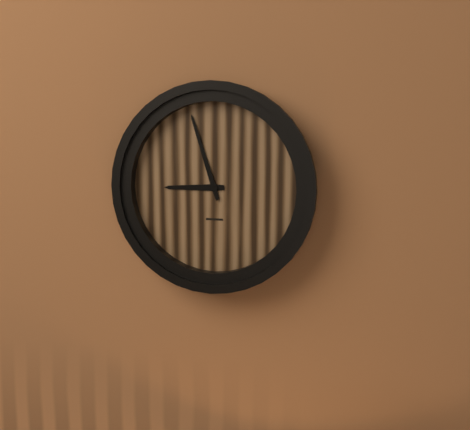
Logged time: h=8 m=57
